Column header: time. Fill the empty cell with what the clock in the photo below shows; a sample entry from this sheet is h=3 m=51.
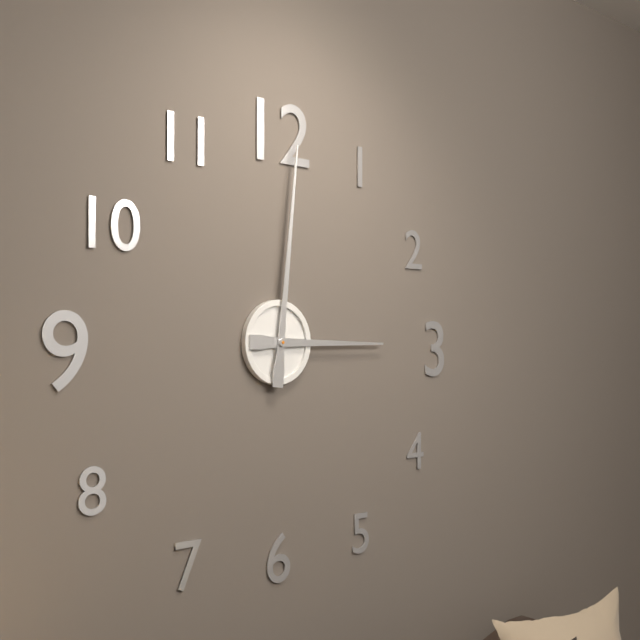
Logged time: h=3 m=1
